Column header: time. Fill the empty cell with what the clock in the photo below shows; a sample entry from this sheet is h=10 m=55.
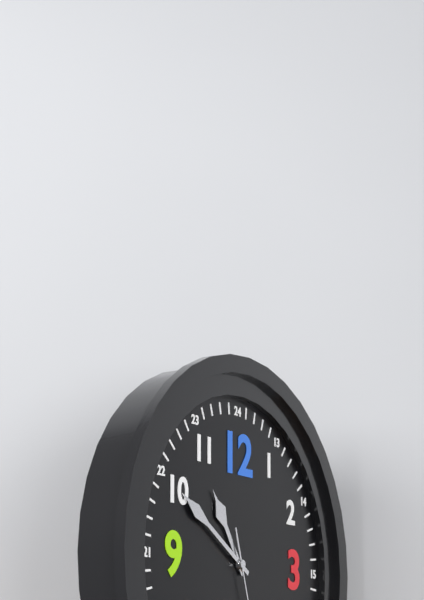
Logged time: h=10 m=50
